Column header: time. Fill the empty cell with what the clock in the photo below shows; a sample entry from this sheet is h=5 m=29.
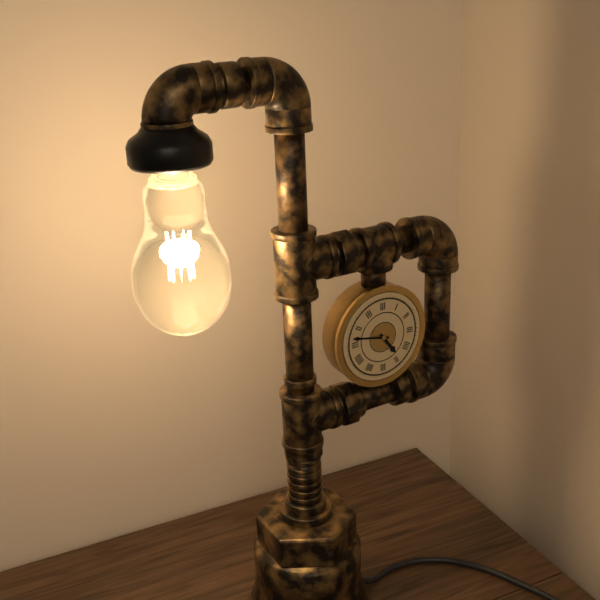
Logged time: h=4 m=47
